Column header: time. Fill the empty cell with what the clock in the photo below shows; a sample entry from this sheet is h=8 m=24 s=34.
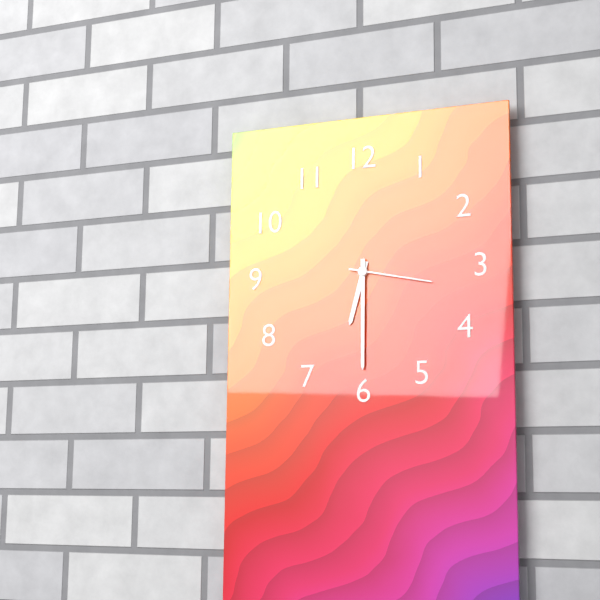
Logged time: h=6 m=30 s=17
